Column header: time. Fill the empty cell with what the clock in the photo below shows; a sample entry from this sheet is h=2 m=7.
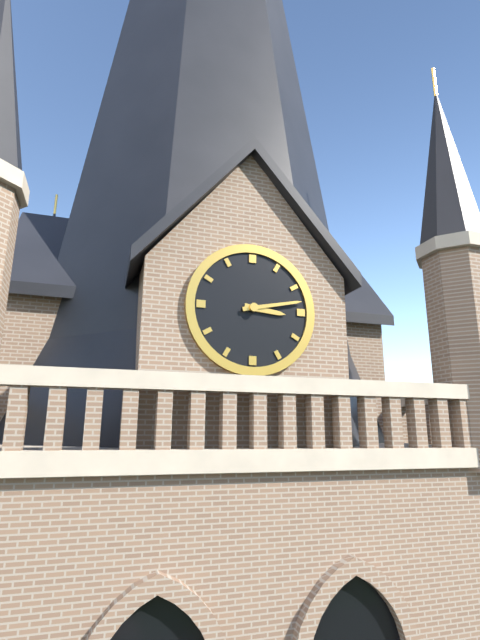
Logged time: h=3 m=13
